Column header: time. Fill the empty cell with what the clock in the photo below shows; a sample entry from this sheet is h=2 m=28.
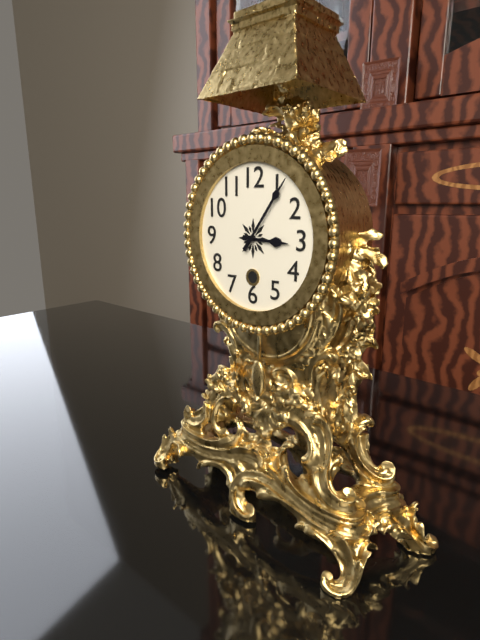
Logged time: h=3 m=6
